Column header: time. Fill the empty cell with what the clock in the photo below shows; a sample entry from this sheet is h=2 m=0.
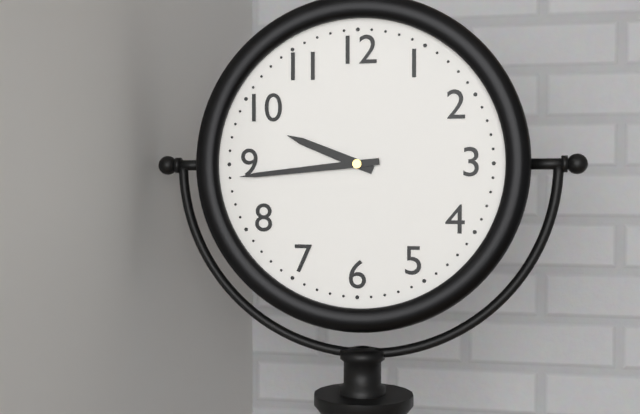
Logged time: h=9 m=44
